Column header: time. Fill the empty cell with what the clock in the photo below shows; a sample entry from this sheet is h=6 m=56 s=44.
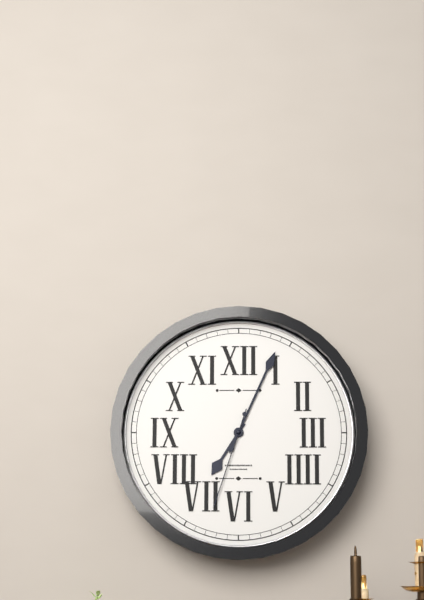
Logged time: h=7 m=4 s=33
